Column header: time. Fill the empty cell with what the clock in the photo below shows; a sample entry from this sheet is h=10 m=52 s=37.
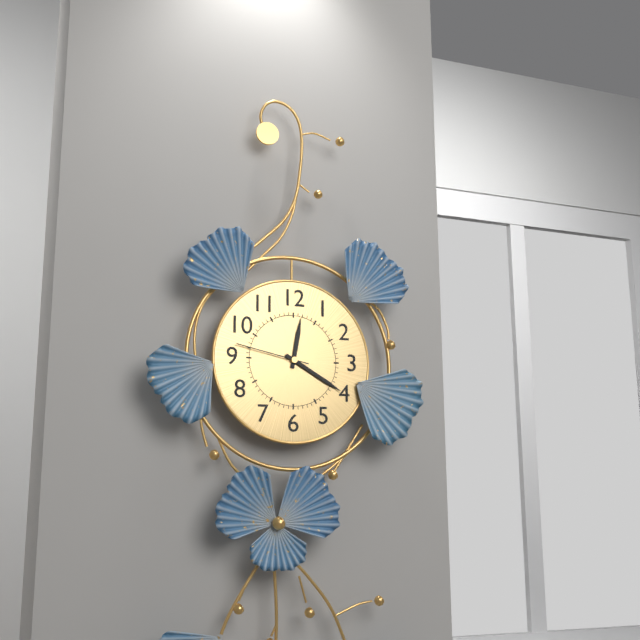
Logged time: h=12 m=20 s=47
